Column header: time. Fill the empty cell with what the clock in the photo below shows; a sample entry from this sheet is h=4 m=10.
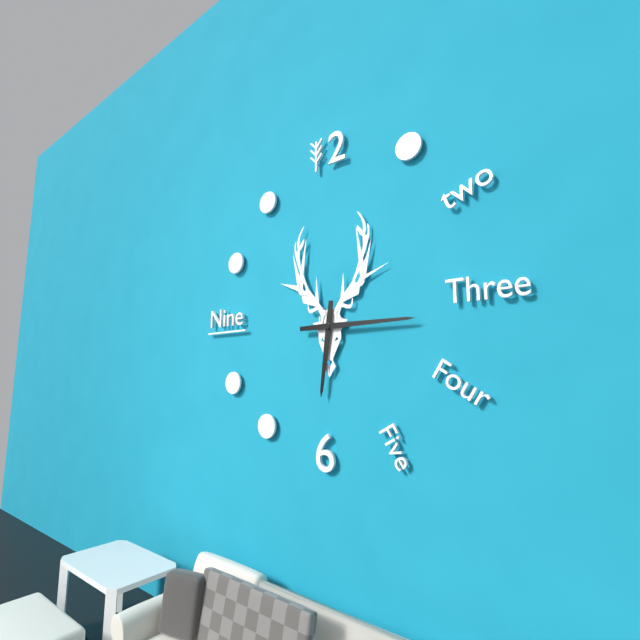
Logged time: h=6 m=15
